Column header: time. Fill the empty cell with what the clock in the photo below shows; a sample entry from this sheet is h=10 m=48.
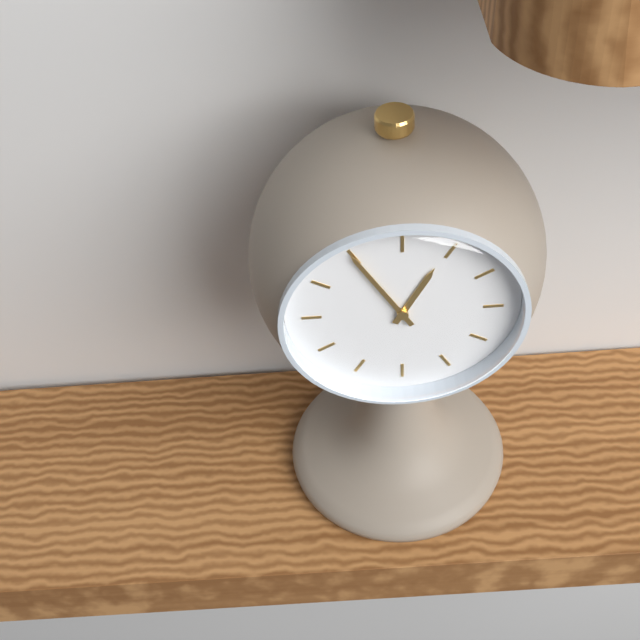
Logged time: h=12 m=55
